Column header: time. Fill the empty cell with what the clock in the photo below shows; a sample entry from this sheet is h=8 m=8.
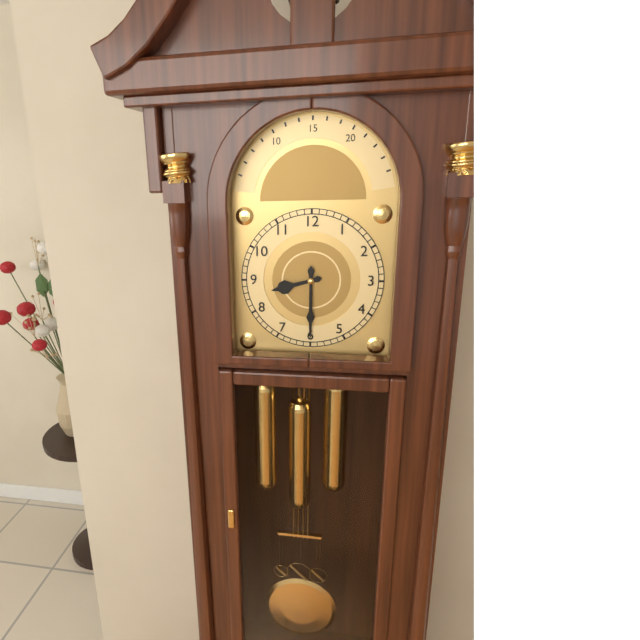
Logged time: h=8 m=30
